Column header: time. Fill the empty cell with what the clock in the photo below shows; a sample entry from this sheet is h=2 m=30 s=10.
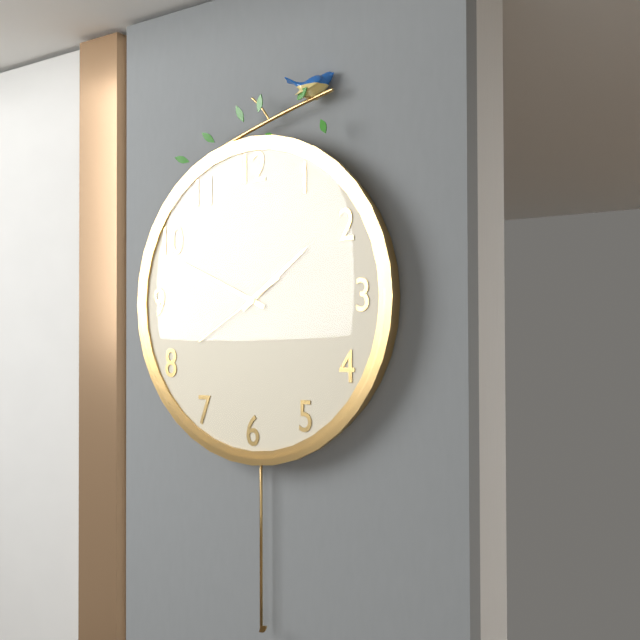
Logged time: h=1 m=49 s=40
